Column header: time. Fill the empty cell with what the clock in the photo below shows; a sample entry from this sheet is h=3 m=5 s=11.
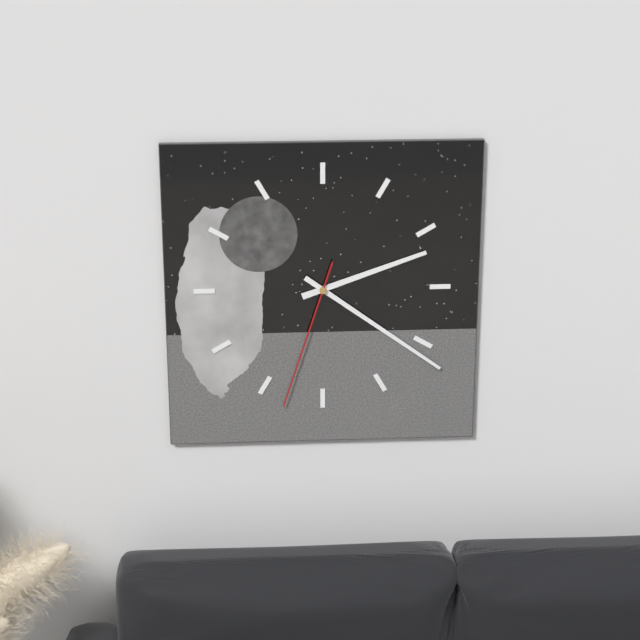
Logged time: h=2 m=21 s=33
